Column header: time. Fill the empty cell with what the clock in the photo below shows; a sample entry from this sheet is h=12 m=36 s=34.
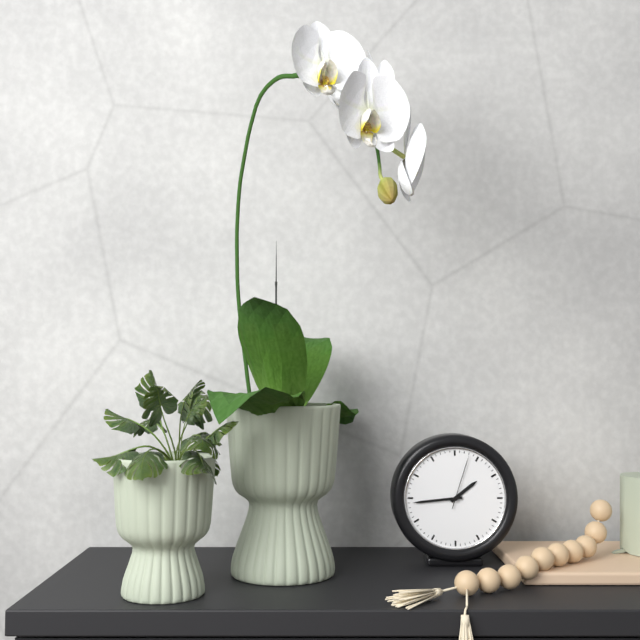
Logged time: h=1 m=44 s=3
